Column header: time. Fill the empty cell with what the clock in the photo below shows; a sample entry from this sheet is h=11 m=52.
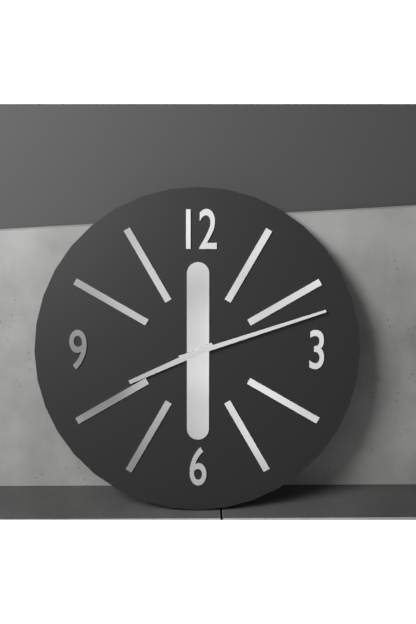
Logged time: h=8 m=12
